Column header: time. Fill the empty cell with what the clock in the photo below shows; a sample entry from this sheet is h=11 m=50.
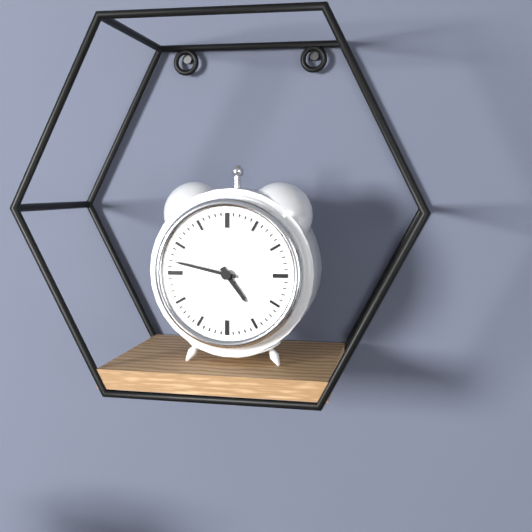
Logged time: h=4 m=47
